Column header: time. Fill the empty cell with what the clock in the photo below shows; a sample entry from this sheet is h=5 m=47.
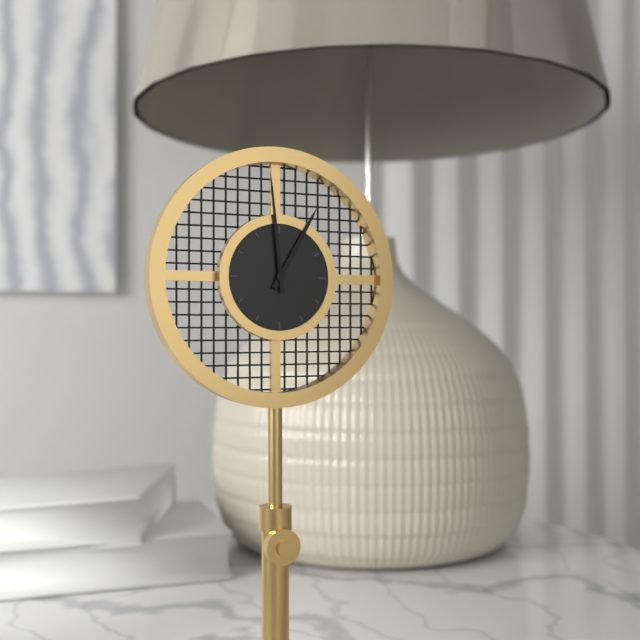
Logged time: h=12 m=59
